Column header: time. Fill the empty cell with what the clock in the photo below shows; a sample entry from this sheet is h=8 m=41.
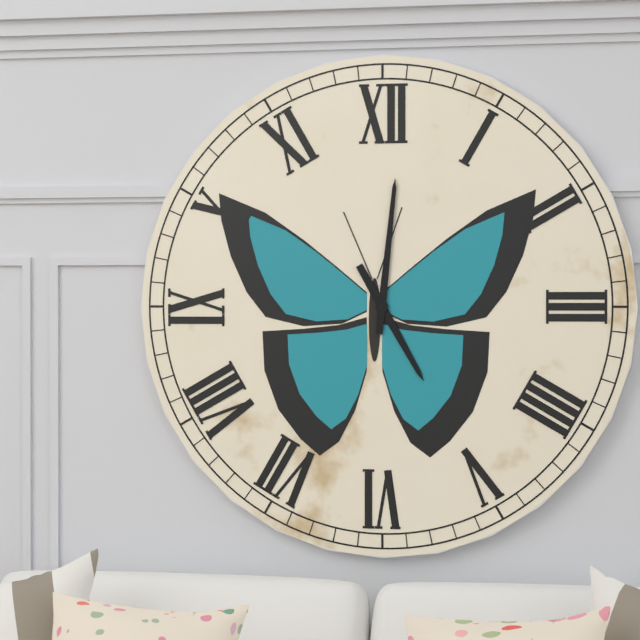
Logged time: h=5 m=1
